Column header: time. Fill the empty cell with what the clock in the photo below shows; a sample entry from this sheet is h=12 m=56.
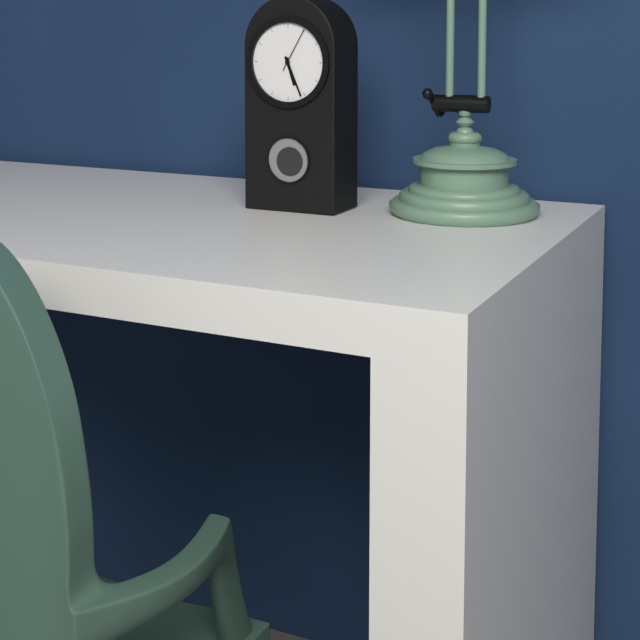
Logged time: h=5 m=26
